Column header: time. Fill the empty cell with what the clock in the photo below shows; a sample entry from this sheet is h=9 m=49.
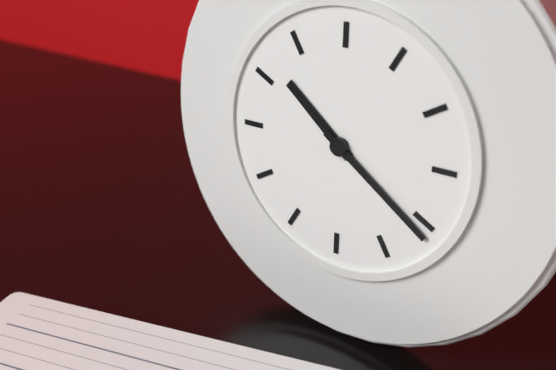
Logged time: h=10 m=21
